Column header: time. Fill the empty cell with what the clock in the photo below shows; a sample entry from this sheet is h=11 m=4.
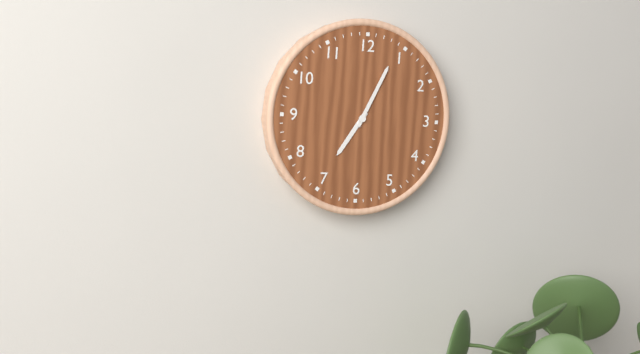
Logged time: h=7 m=4
